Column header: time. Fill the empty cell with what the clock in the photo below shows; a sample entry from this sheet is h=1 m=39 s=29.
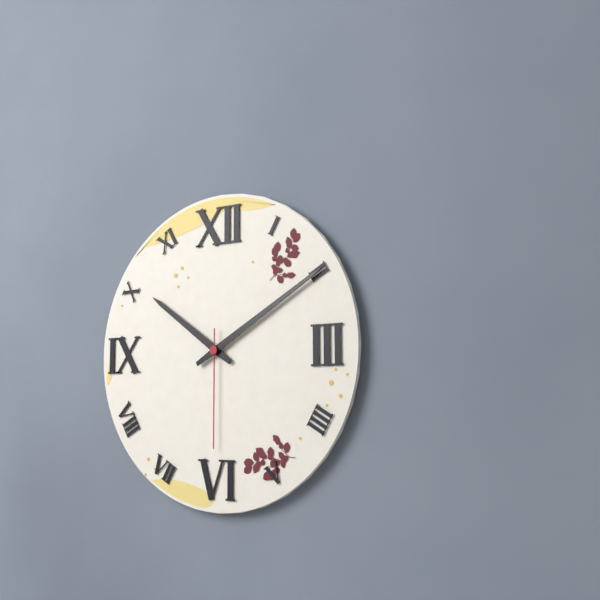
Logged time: h=10 m=10 s=30
